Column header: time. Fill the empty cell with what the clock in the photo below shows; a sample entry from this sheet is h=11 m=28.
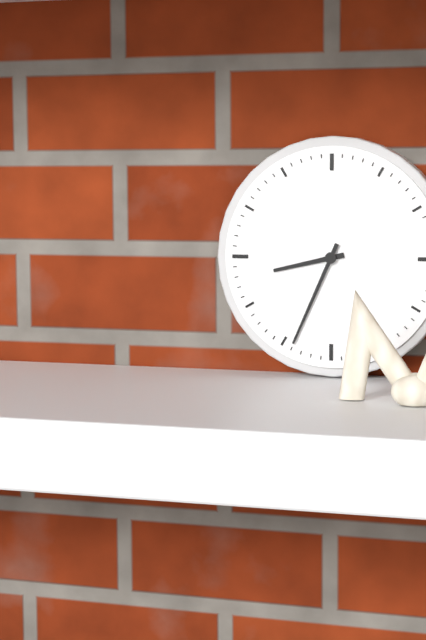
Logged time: h=8 m=34
